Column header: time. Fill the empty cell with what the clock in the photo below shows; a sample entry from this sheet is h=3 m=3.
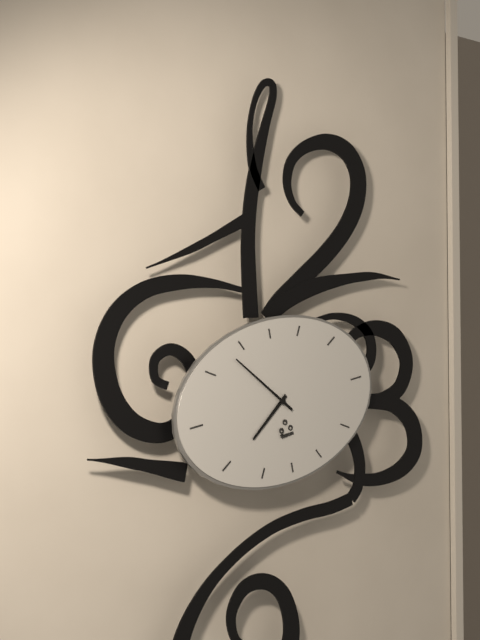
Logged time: h=7 m=53
